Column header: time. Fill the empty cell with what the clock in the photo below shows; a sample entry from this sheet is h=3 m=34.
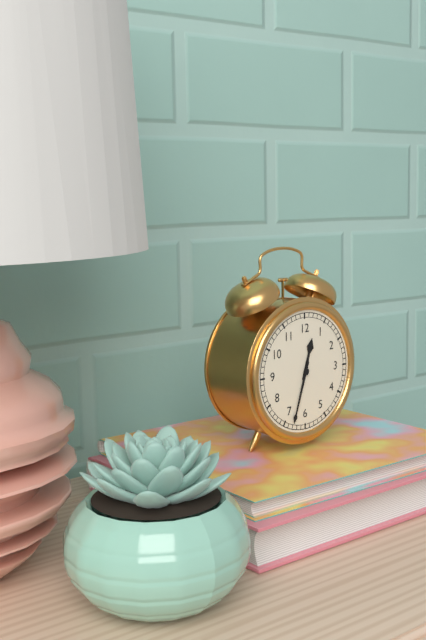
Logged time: h=12 m=33
